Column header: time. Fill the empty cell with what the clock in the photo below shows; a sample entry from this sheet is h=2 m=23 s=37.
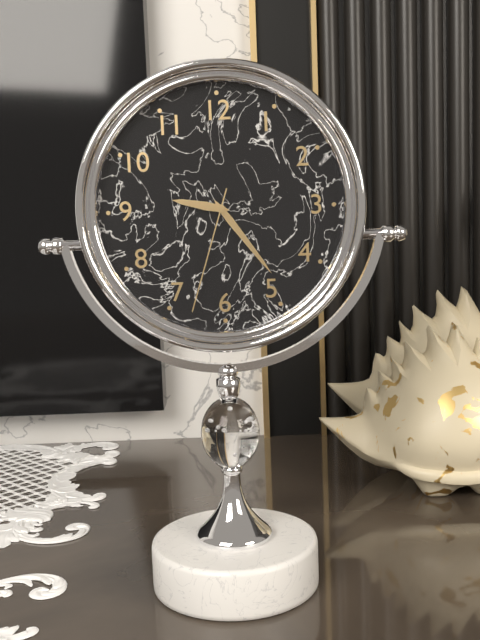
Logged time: h=9 m=24 s=33
